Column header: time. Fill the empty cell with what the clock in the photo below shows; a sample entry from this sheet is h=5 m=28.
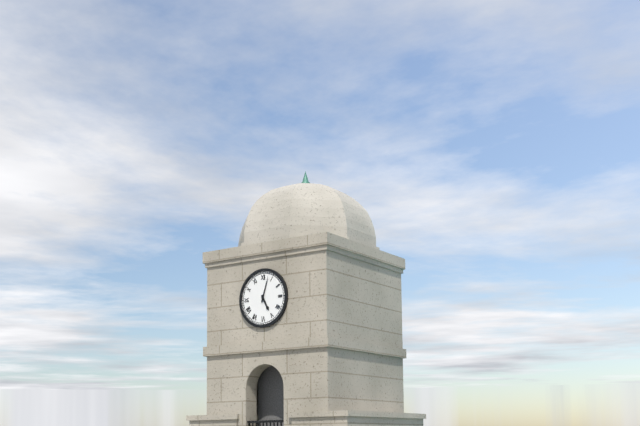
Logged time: h=5 m=3
